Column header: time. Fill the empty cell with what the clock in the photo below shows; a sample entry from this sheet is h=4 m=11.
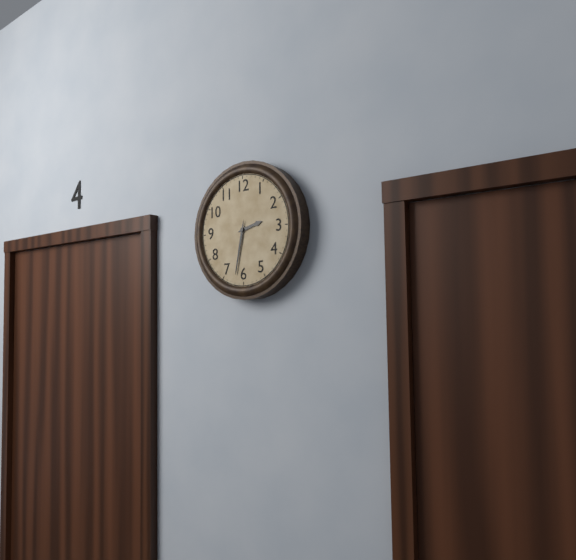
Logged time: h=2 m=32
